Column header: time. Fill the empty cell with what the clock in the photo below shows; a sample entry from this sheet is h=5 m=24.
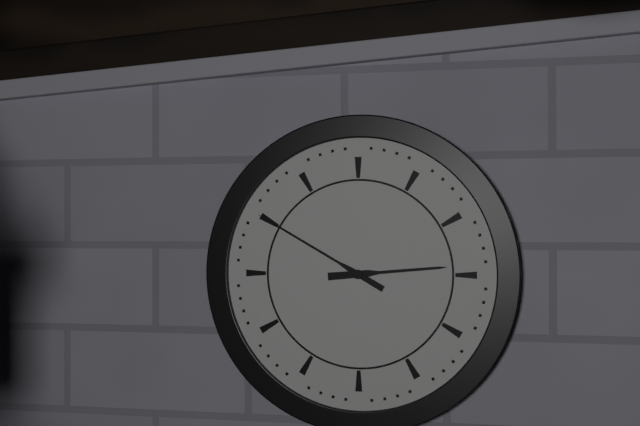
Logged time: h=2 m=50
